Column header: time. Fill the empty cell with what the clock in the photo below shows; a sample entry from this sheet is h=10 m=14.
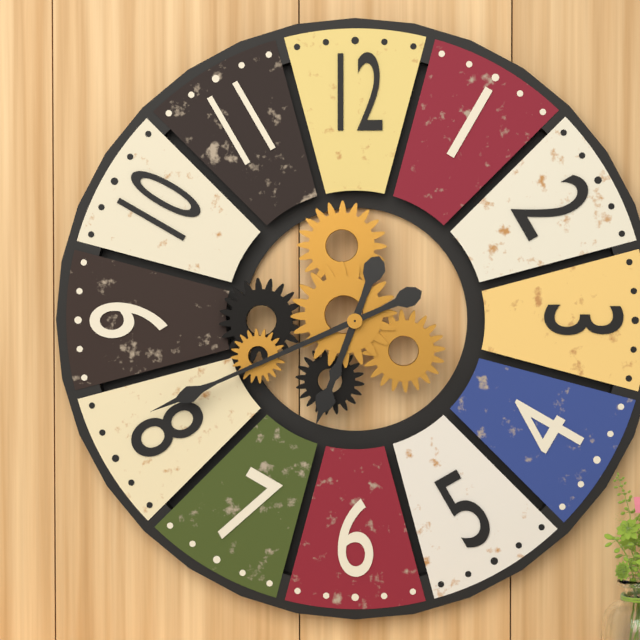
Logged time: h=6 m=41
